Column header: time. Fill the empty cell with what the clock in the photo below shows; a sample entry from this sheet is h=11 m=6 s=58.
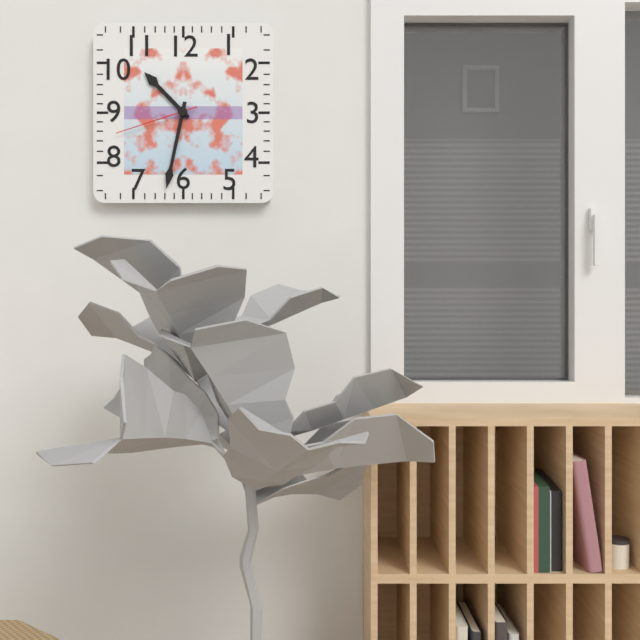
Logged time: h=10 m=32 s=42
